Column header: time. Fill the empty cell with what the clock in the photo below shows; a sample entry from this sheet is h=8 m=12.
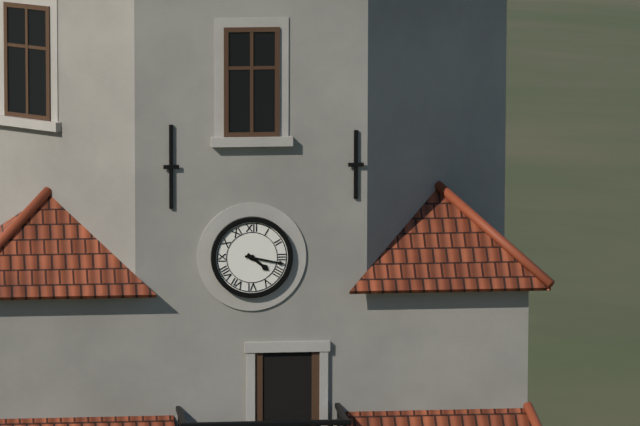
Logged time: h=4 m=17
